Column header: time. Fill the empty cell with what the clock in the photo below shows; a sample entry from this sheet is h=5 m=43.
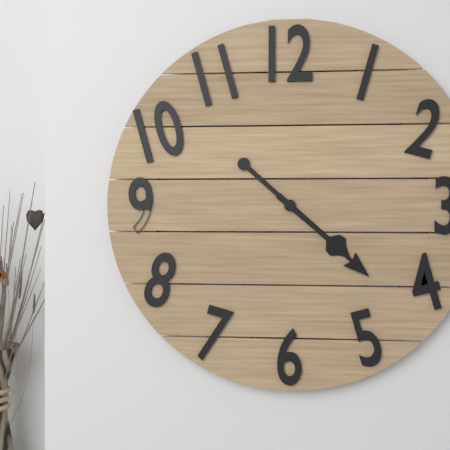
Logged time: h=4 m=22
